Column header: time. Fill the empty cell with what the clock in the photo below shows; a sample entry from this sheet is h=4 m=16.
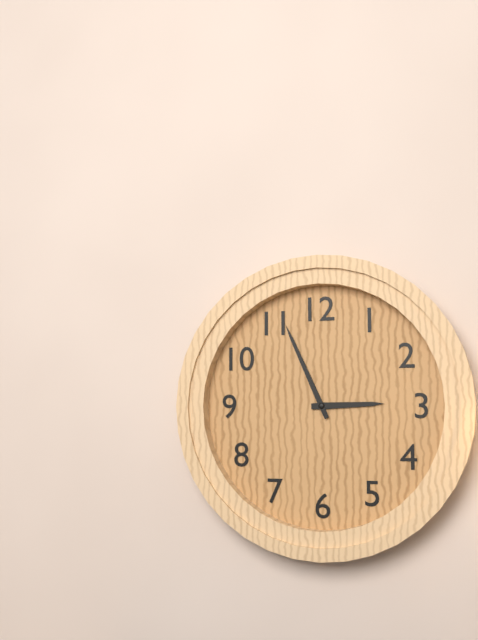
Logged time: h=2 m=56
